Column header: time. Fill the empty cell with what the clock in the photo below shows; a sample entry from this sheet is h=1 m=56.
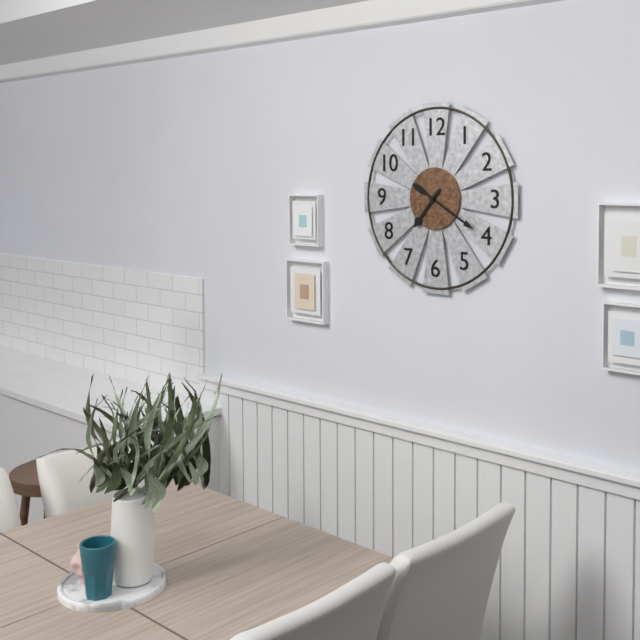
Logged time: h=7 m=20
